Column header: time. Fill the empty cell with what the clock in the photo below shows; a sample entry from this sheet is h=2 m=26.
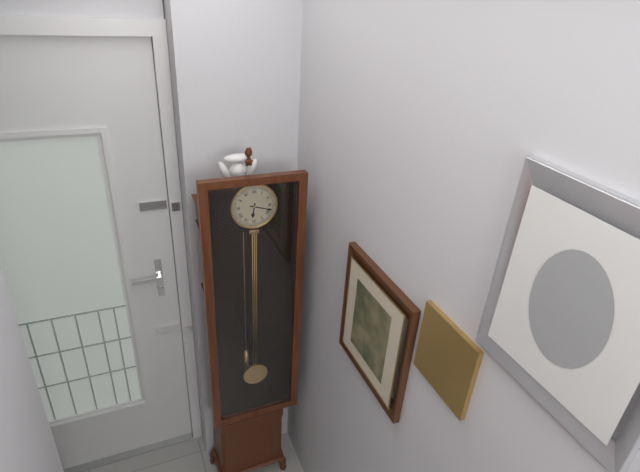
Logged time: h=6 m=18
